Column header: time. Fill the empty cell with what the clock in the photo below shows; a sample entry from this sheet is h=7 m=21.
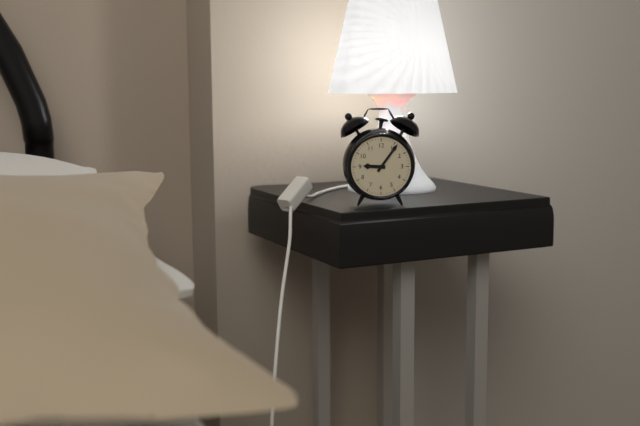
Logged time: h=9 m=6
